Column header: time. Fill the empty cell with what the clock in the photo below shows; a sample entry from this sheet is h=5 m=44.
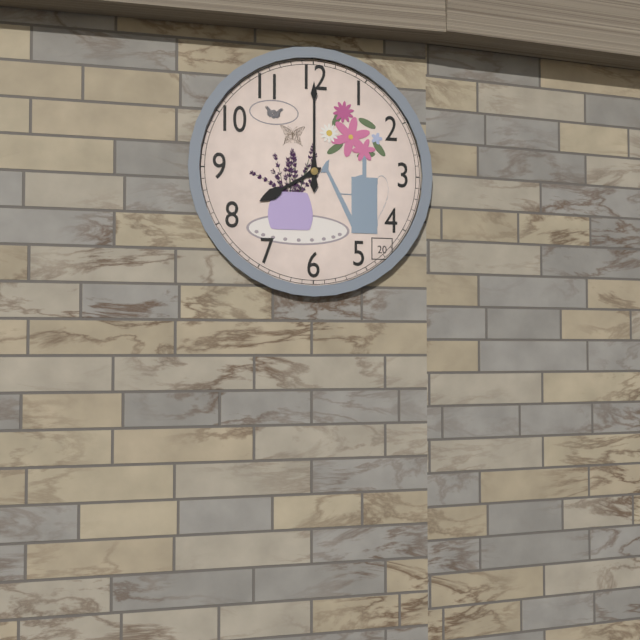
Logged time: h=8 m=0
